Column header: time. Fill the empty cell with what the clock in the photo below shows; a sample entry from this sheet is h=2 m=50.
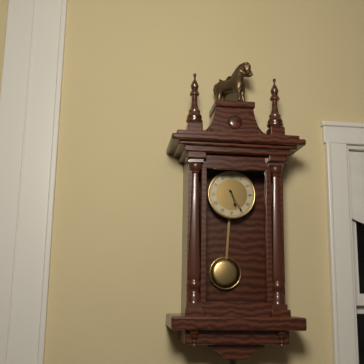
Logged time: h=5 m=25
